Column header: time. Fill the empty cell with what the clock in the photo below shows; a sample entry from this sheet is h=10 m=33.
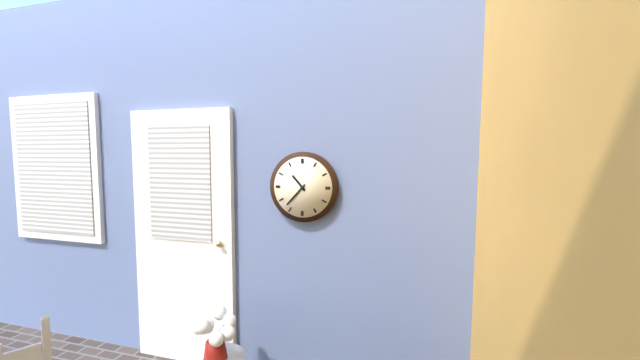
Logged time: h=10 m=37
